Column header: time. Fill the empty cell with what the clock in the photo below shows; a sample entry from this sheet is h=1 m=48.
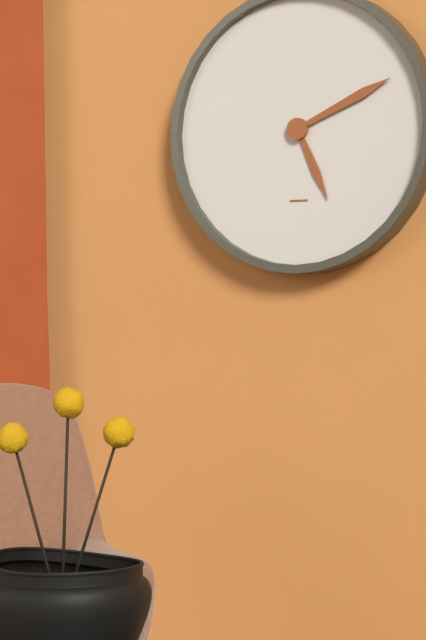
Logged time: h=5 m=11
